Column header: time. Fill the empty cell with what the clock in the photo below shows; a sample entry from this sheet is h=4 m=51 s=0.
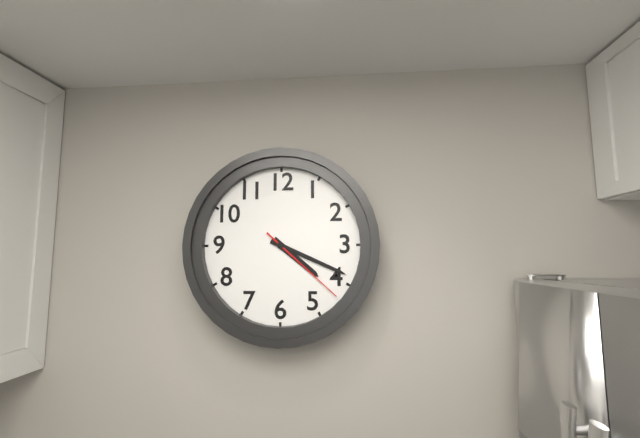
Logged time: h=4 m=19 s=22
